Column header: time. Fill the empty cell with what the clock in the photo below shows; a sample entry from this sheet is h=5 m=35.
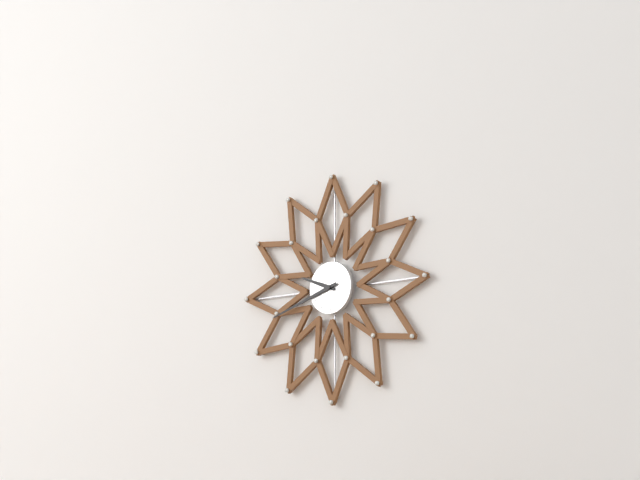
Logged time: h=9 m=42
